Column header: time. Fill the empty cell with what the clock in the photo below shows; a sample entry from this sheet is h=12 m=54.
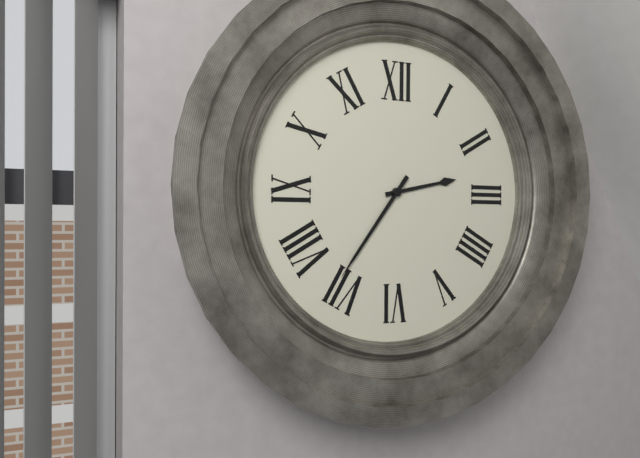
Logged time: h=2 m=36
